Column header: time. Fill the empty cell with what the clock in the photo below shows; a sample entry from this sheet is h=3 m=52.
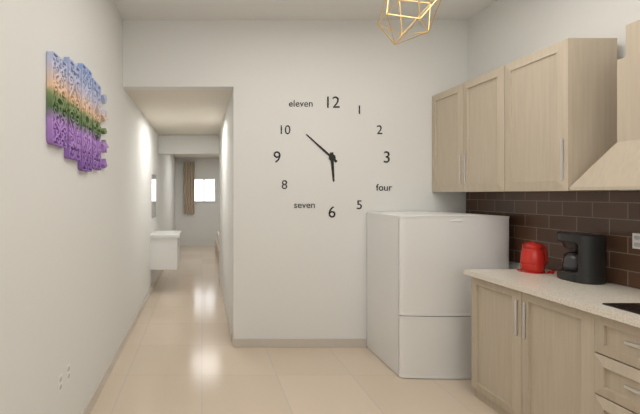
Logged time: h=5 m=52
